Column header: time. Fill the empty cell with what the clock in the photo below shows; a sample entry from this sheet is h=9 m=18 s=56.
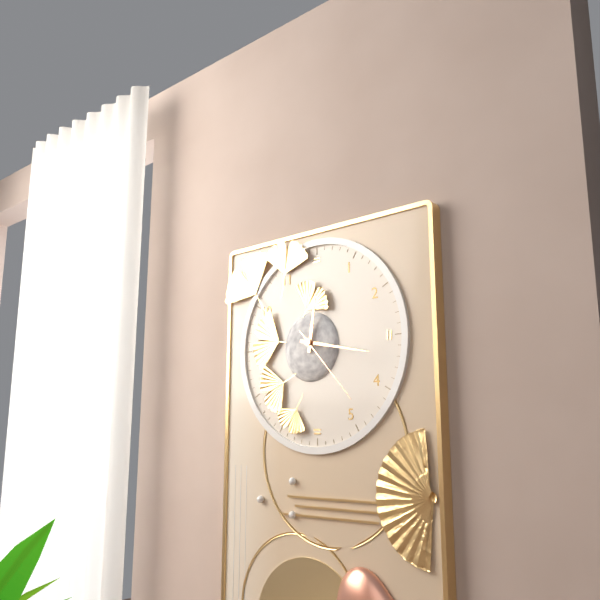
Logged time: h=12 m=17 s=23
